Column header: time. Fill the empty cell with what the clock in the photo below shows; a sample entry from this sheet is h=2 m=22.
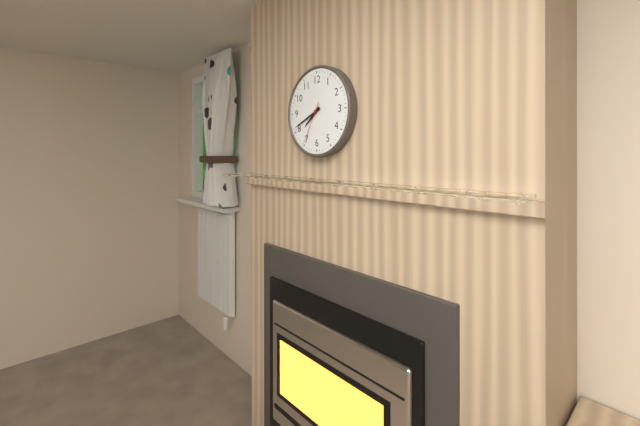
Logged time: h=7 m=41
